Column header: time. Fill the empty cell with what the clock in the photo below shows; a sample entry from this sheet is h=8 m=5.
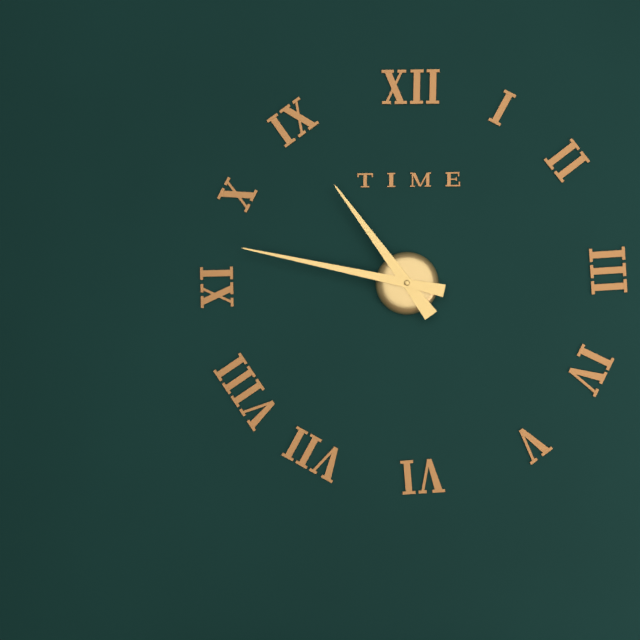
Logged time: h=10 m=47
